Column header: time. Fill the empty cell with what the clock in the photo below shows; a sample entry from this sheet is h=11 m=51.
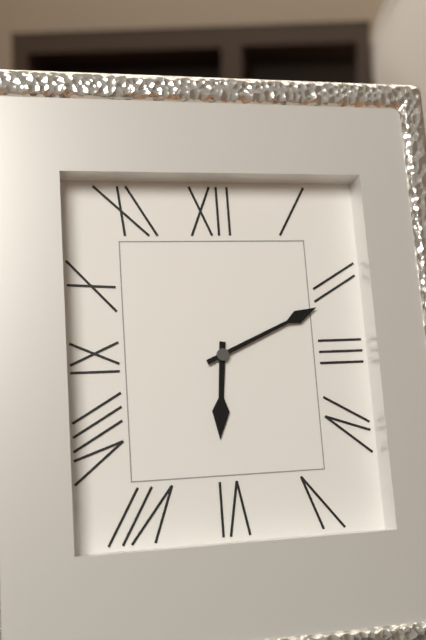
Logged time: h=6 m=11
